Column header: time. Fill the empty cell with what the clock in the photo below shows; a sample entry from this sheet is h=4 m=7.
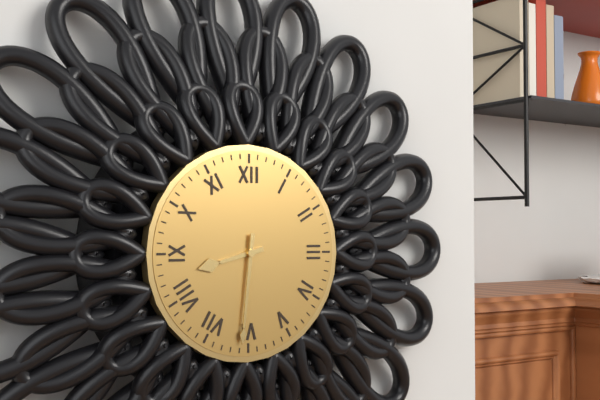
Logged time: h=8 m=31
